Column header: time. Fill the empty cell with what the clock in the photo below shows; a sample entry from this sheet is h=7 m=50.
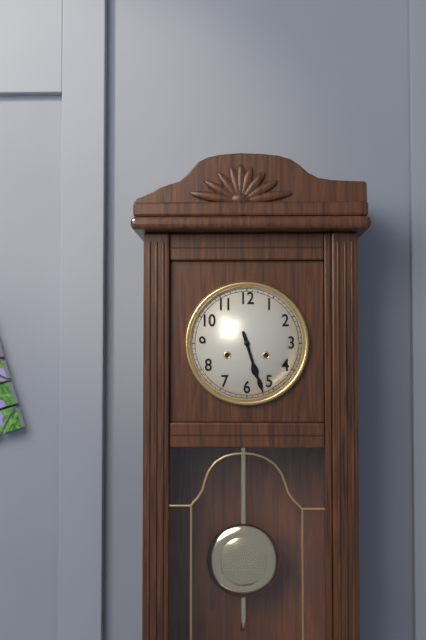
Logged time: h=5 m=27
